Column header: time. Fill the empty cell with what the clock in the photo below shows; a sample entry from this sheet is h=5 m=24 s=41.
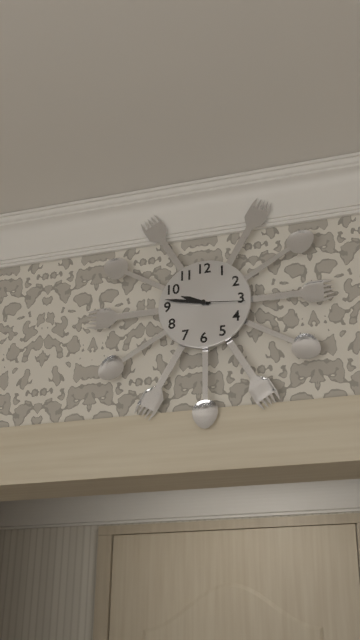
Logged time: h=9 m=47 s=16
